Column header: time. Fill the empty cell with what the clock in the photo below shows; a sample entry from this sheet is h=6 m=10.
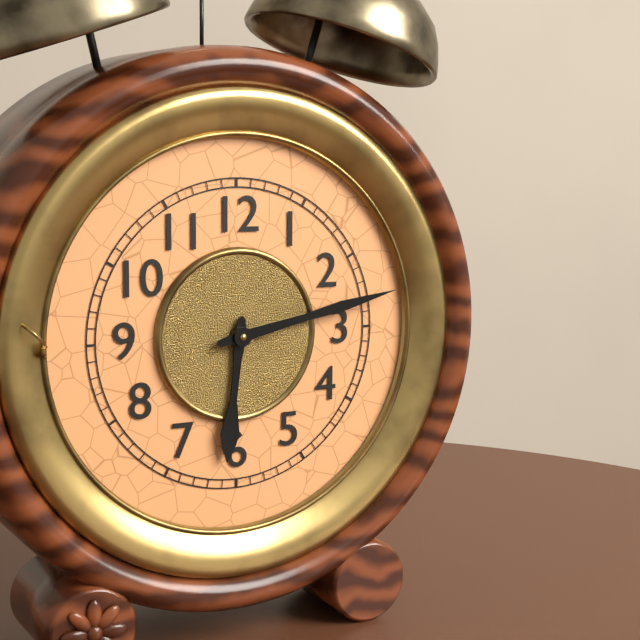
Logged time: h=6 m=13
